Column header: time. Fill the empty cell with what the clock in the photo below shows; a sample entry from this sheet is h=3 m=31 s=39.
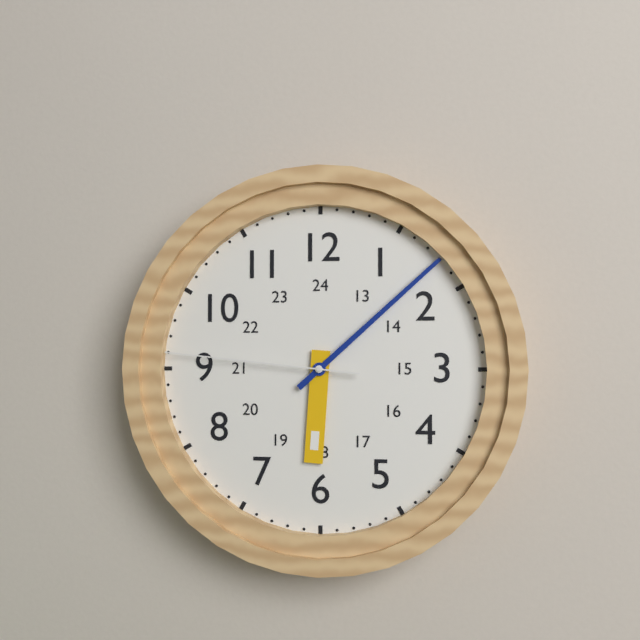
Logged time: h=6 m=8 s=46
